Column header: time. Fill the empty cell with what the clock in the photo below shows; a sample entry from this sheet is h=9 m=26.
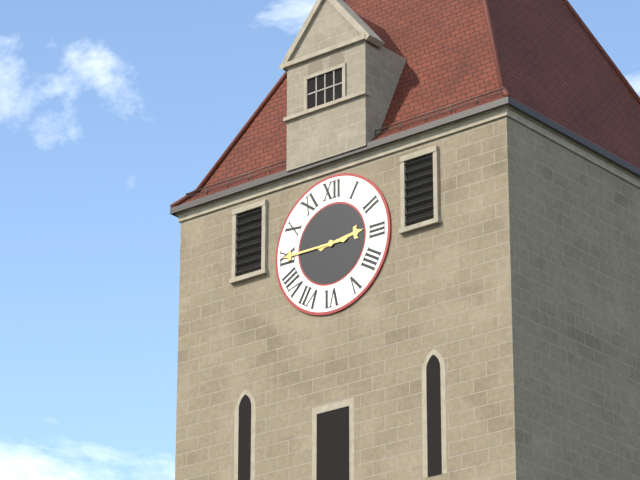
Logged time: h=2 m=45
